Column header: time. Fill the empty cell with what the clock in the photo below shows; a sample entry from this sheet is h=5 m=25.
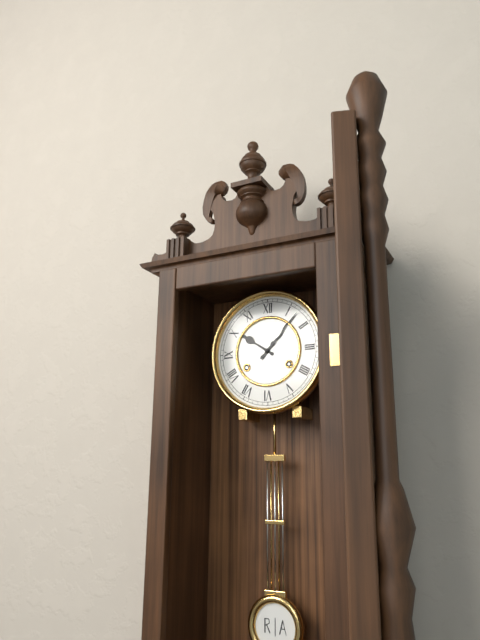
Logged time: h=10 m=7
